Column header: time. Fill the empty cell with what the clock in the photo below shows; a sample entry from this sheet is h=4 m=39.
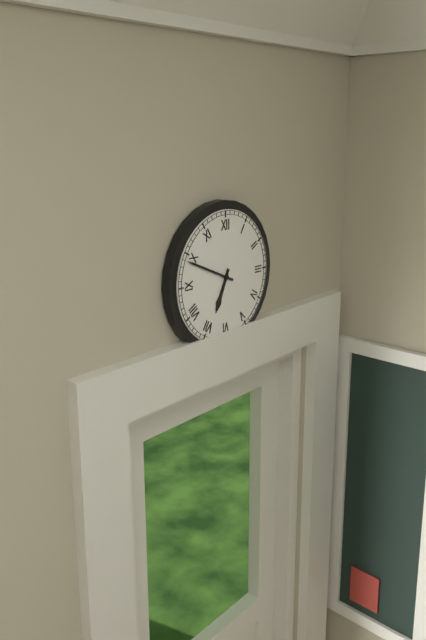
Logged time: h=6 m=49
